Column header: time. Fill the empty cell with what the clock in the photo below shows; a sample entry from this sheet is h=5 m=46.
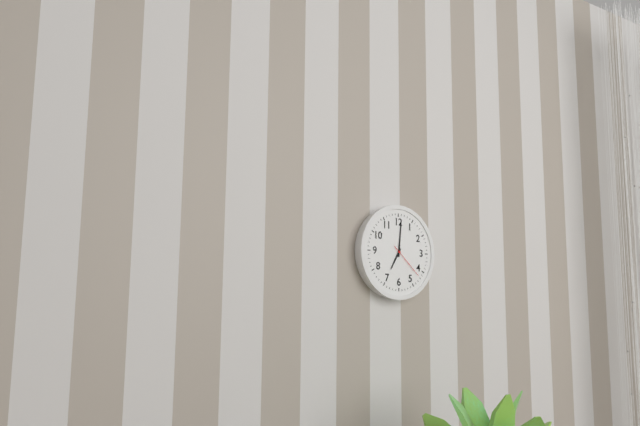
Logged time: h=7 m=1
